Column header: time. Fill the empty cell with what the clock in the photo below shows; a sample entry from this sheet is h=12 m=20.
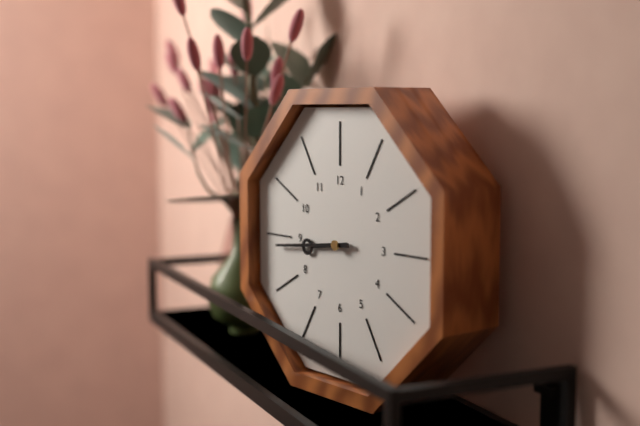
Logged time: h=8 m=44
